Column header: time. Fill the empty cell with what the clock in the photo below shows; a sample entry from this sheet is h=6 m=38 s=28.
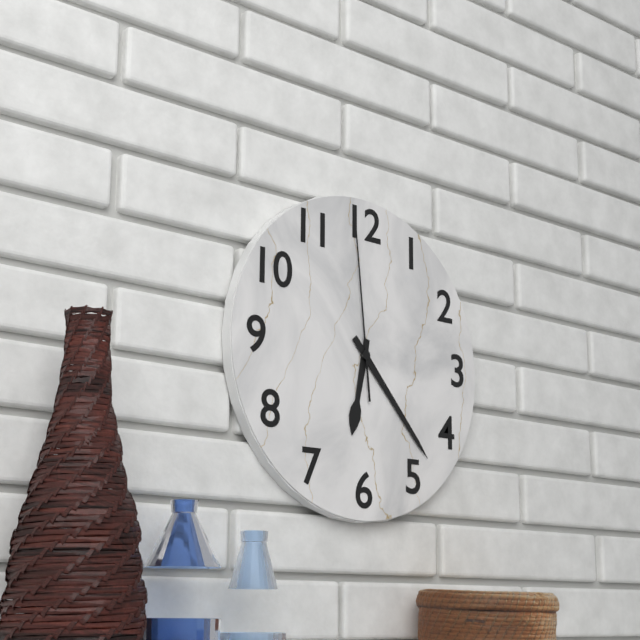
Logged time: h=6 m=23 s=59
